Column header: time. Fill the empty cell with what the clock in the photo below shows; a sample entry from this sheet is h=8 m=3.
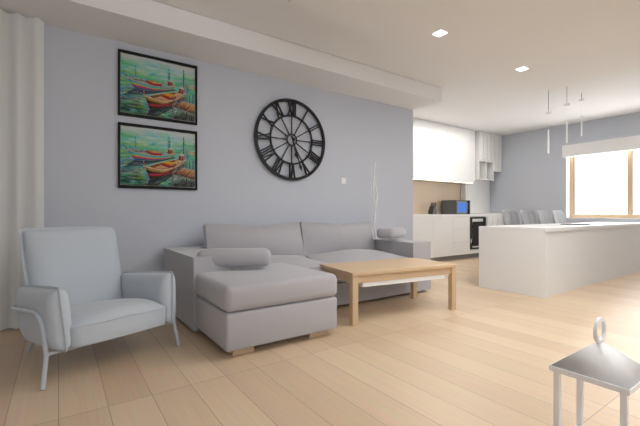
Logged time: h=5 m=27
